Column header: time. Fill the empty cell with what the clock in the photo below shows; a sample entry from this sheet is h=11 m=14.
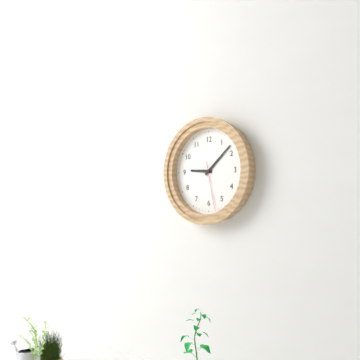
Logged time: h=9 m=8
